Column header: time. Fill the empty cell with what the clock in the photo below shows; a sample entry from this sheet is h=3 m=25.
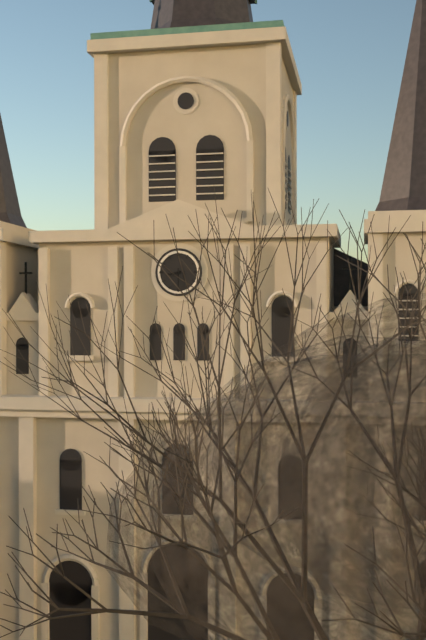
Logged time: h=8 m=30
